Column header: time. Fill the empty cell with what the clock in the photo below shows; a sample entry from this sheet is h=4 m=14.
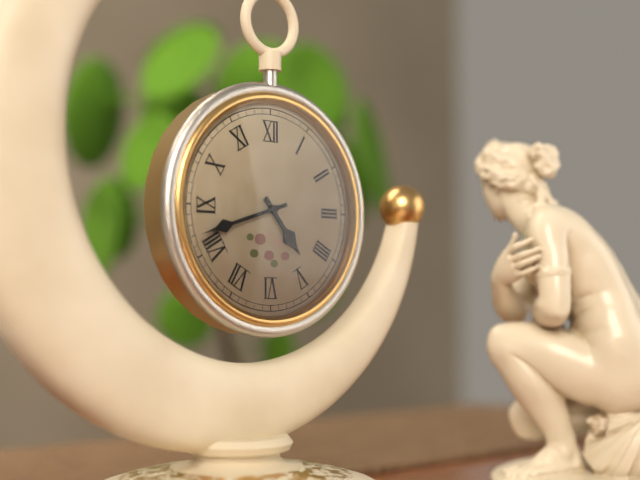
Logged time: h=4 m=42
